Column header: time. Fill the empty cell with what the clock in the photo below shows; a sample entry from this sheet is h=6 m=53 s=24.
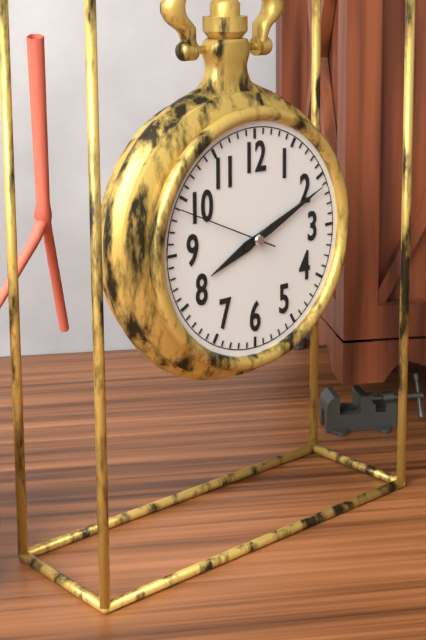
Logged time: h=8 m=11 s=49
